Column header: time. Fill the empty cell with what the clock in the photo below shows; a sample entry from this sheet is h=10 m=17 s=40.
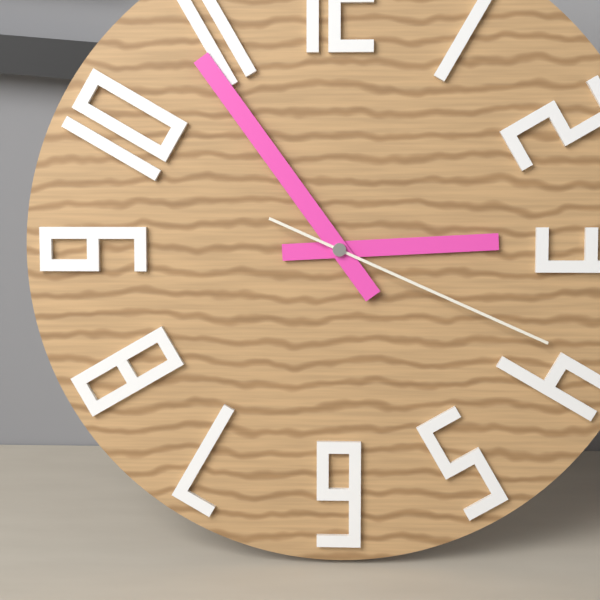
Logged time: h=2 m=54 s=19
